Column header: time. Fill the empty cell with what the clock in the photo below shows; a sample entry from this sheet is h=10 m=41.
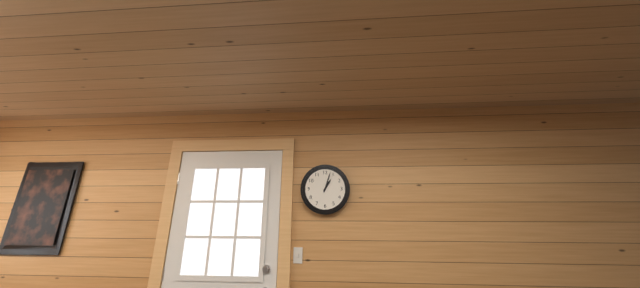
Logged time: h=1 m=3
